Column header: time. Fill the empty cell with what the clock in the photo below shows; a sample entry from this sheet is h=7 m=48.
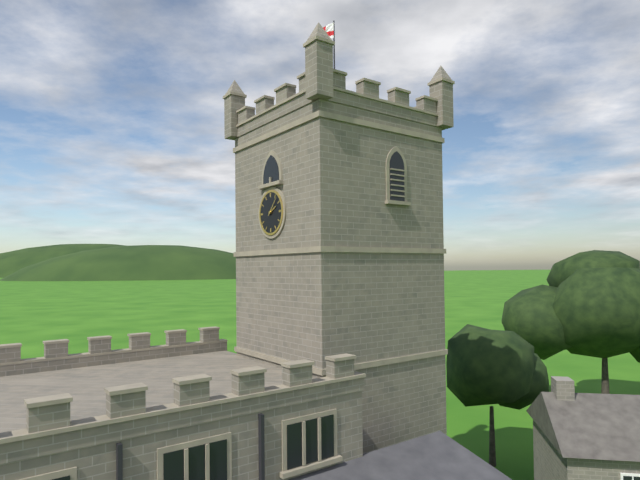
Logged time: h=2 m=7
